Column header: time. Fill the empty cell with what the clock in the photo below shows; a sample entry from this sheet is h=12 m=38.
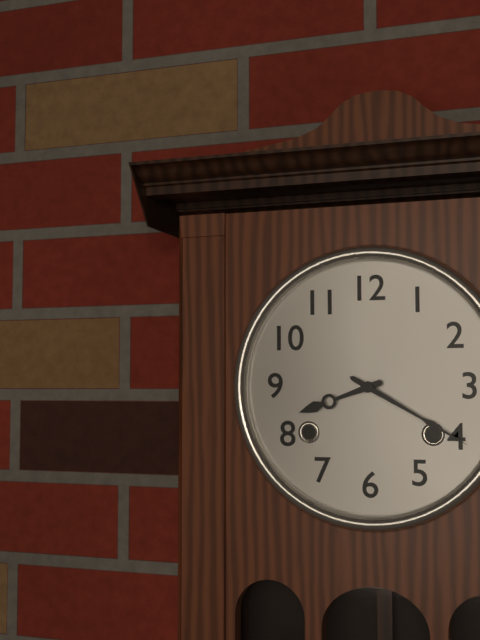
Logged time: h=8 m=20
